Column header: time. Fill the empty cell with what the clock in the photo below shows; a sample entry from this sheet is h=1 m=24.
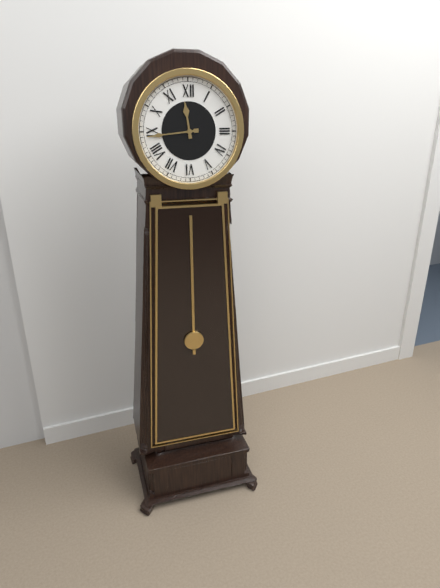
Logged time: h=11 m=44
